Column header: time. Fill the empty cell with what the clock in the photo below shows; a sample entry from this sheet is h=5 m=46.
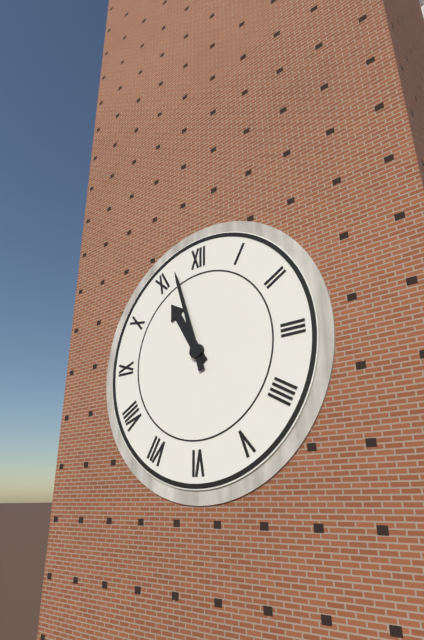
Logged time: h=10 m=57
